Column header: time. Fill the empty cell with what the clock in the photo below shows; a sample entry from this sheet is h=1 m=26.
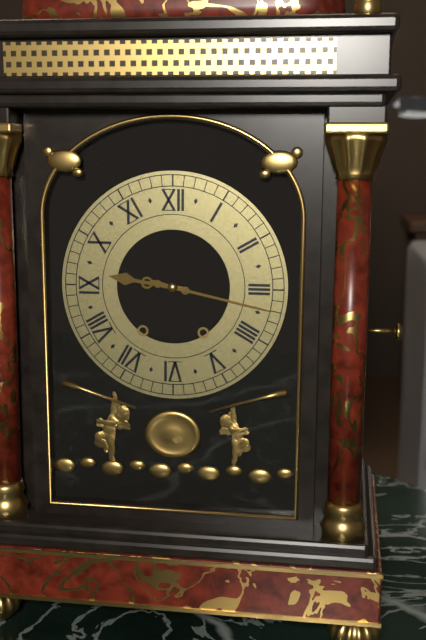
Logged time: h=9 m=17
